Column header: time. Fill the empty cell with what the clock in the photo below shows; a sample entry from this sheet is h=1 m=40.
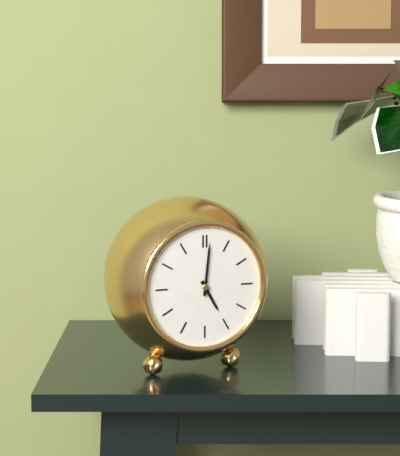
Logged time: h=5 m=1
